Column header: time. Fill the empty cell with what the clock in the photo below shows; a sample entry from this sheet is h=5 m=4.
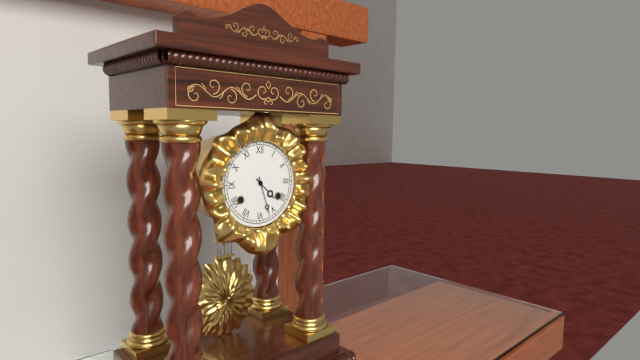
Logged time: h=4 m=27
